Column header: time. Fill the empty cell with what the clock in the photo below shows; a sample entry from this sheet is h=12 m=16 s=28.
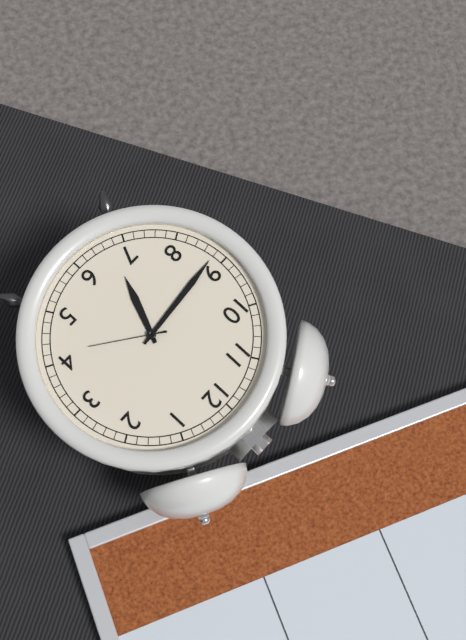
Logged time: h=6 m=44 s=21
